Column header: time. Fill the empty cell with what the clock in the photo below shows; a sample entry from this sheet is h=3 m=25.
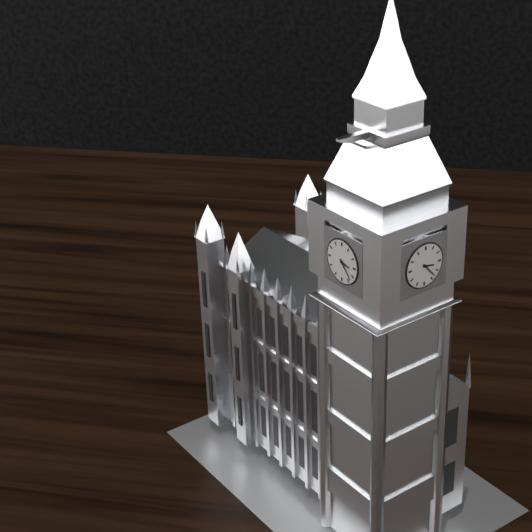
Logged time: h=3 m=23
